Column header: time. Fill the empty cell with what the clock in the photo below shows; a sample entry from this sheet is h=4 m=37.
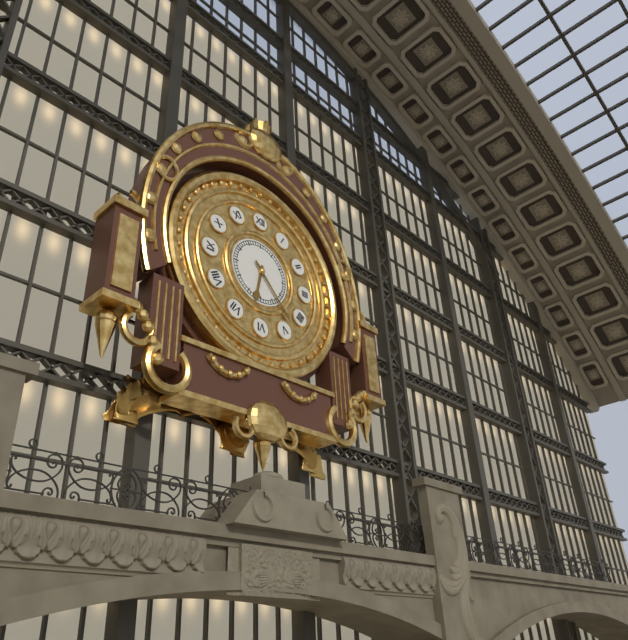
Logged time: h=6 m=23
